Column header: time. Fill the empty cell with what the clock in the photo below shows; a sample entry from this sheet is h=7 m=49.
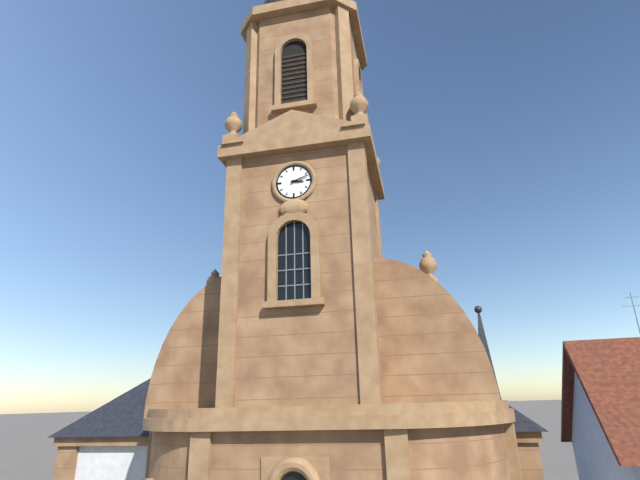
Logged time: h=3 m=12
